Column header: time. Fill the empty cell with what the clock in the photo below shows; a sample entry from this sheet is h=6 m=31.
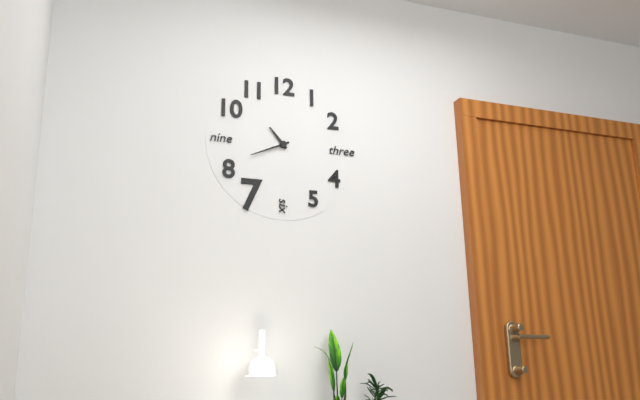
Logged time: h=10 m=41
